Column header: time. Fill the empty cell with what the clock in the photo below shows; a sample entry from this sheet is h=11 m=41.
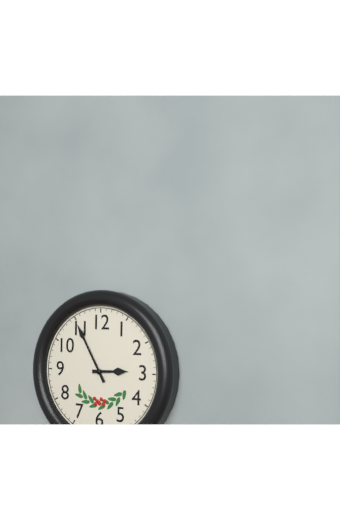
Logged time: h=2 m=55
